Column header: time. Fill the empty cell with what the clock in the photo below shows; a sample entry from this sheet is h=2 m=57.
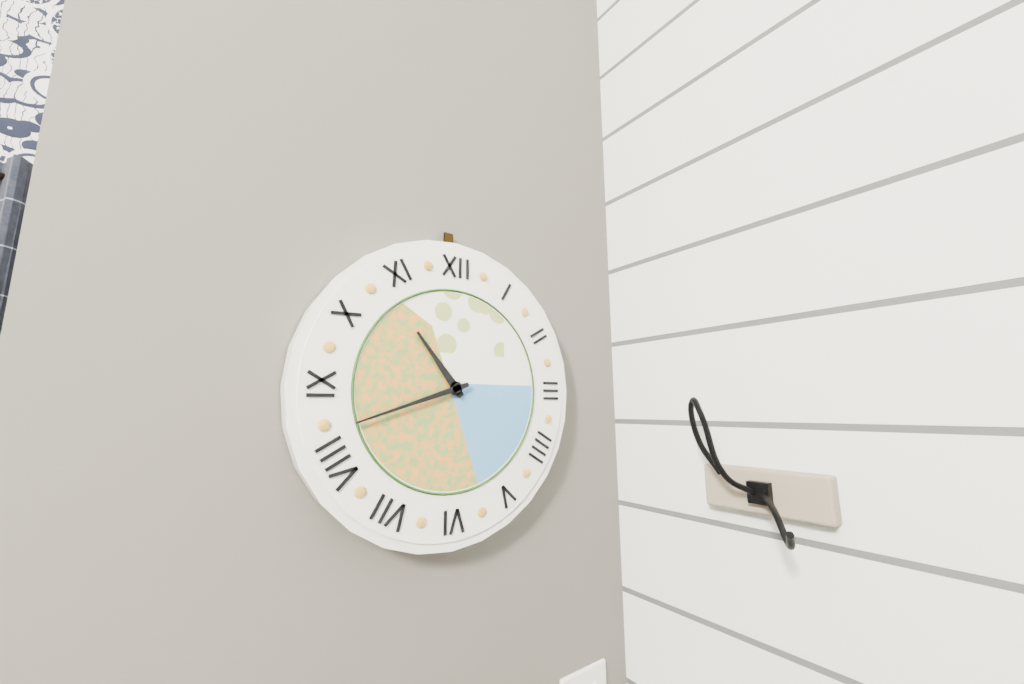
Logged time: h=10 m=42
